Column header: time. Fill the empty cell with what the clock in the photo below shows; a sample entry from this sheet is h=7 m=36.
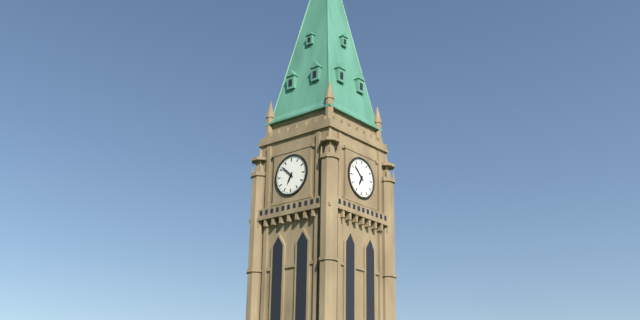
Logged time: h=6 m=52
